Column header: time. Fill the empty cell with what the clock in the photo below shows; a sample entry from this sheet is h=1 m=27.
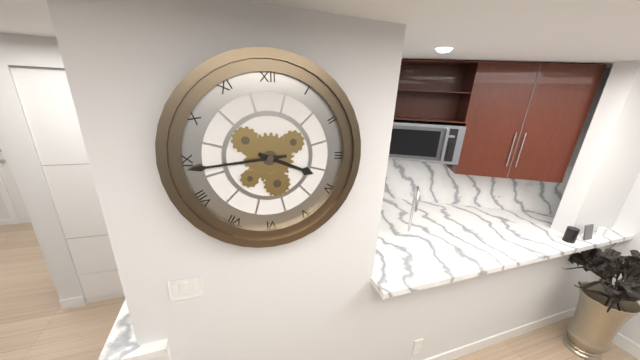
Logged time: h=3 m=44
